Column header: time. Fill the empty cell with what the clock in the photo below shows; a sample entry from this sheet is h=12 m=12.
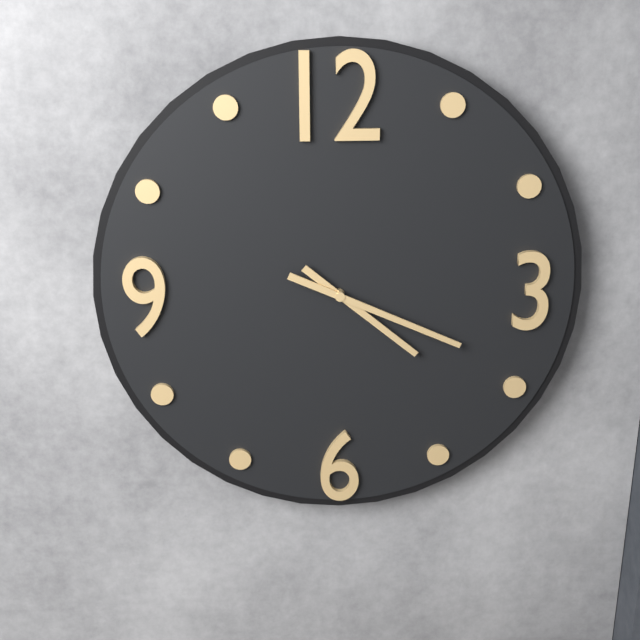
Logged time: h=4 m=19
